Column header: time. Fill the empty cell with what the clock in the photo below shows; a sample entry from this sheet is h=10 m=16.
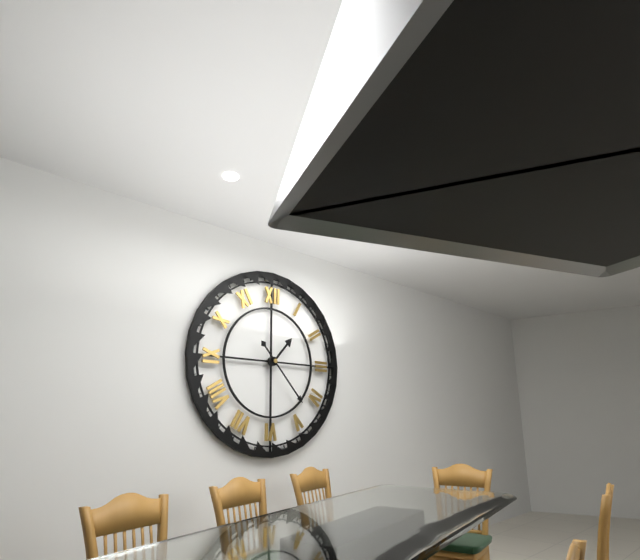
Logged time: h=1 m=23
